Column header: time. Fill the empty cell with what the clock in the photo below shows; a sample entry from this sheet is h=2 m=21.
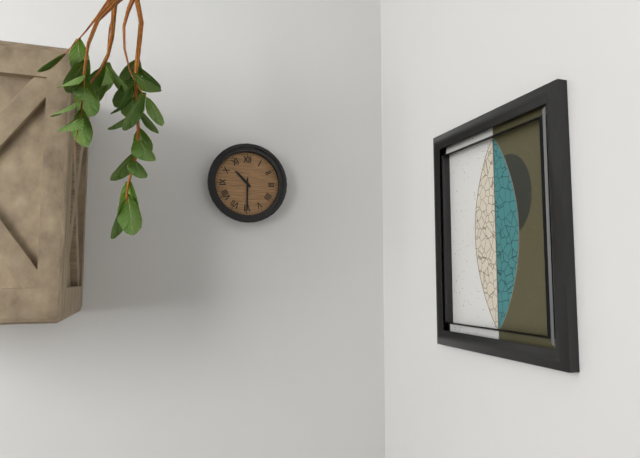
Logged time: h=10 m=30
